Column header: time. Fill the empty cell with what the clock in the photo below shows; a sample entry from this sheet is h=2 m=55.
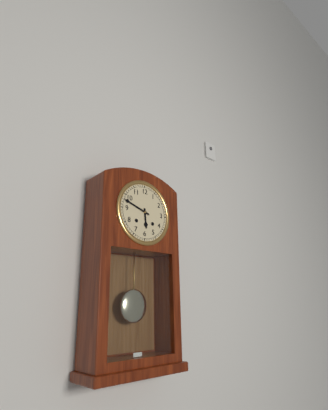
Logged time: h=5 m=48
